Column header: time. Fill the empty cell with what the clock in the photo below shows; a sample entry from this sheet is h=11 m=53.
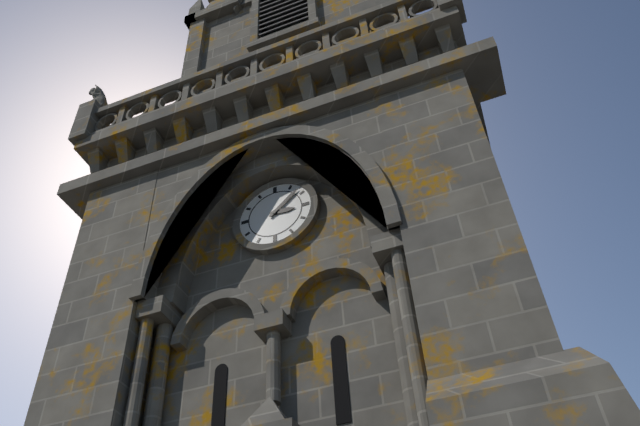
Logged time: h=3 m=8
